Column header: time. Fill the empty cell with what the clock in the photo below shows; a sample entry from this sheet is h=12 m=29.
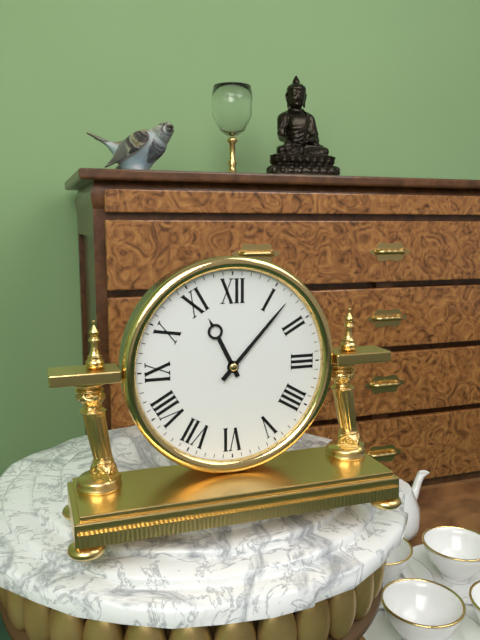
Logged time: h=11 m=7
